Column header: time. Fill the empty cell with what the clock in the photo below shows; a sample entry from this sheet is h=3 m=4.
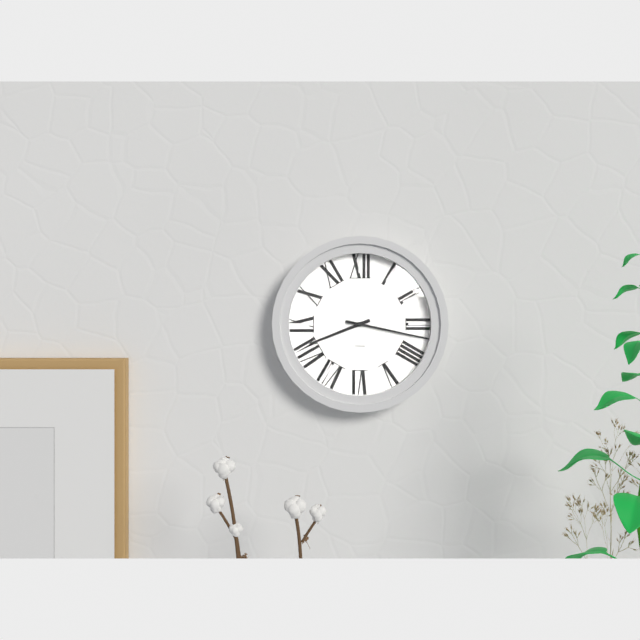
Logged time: h=8 m=17
